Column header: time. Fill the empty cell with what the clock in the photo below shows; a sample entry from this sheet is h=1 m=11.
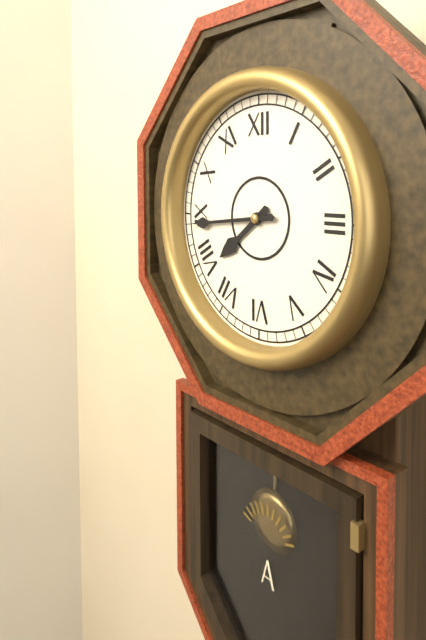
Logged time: h=7 m=44
